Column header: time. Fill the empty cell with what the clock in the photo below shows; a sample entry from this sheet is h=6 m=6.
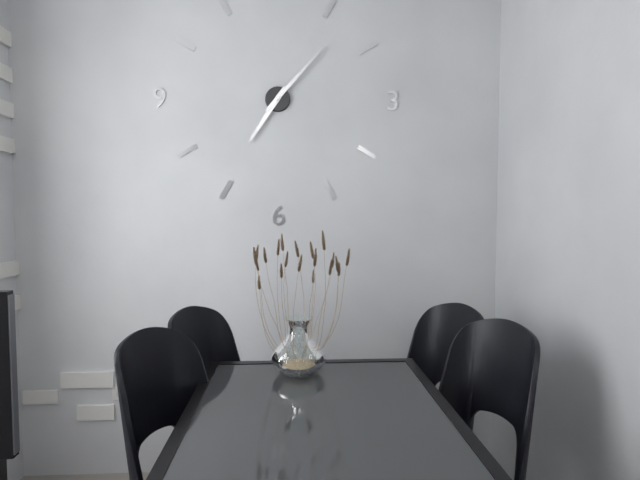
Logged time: h=7 m=7
